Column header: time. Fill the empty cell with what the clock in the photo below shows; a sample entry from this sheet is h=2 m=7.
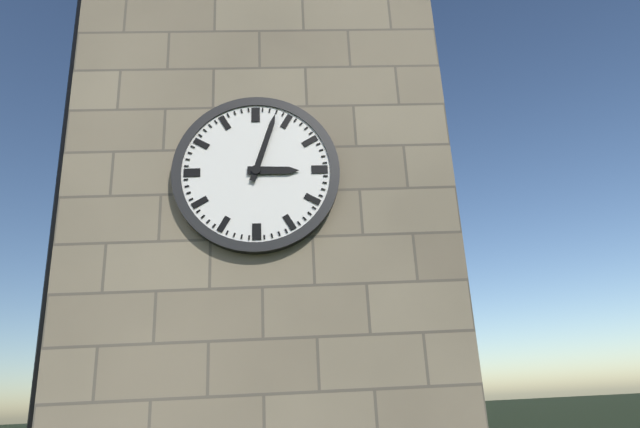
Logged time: h=3 m=3
